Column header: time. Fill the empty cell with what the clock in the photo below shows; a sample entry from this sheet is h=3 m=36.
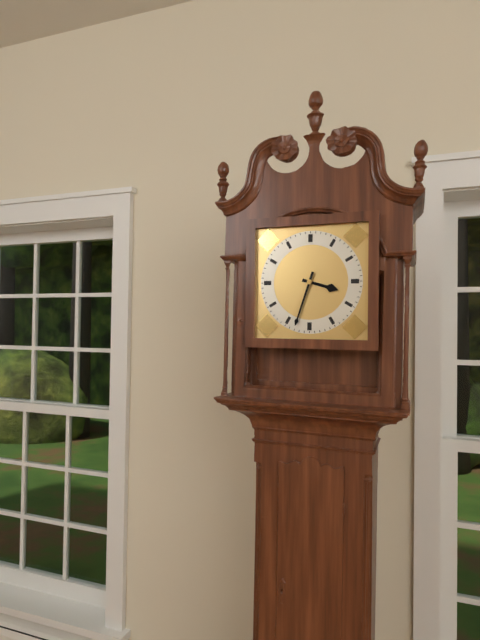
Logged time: h=3 m=33
